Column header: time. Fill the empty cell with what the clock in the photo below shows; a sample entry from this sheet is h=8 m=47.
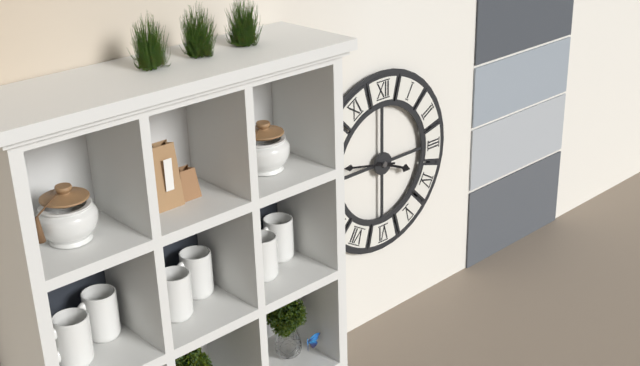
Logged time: h=3 m=47
